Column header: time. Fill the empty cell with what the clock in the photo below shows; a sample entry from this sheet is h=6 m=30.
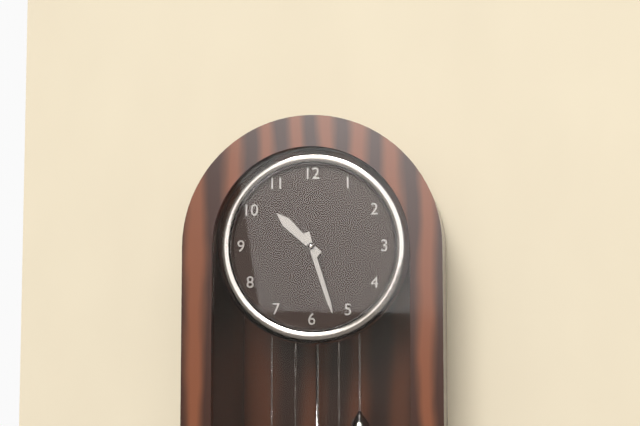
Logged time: h=10 m=27
